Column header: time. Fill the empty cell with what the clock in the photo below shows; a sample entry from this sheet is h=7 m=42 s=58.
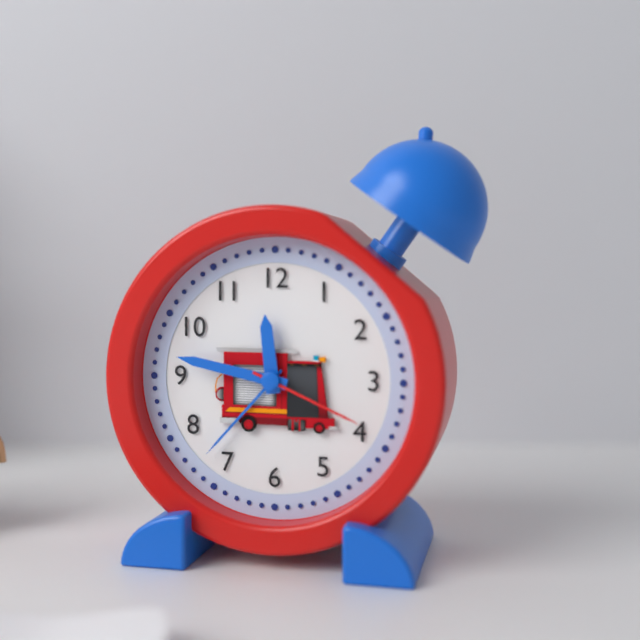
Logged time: h=11 m=47 s=19
